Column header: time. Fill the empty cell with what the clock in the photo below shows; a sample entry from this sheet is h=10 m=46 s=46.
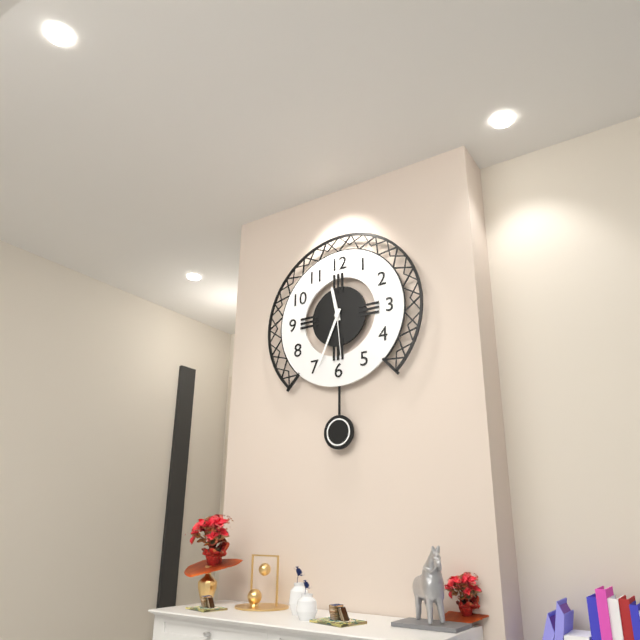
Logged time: h=11 m=34 s=29
